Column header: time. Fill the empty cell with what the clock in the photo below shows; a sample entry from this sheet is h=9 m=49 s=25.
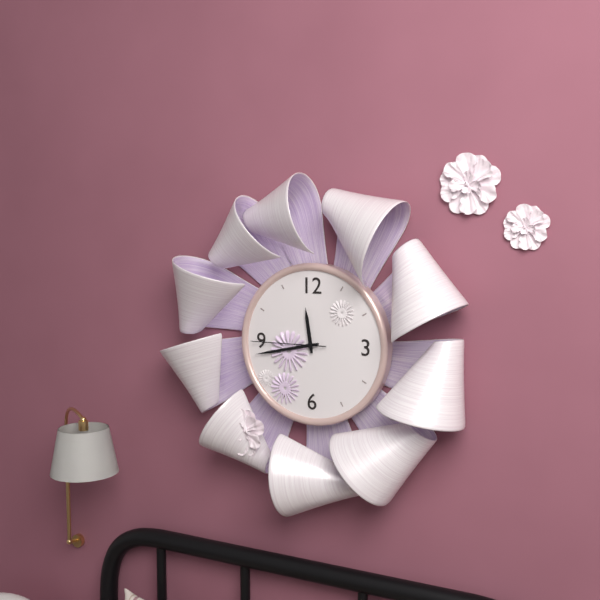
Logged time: h=11 m=43 s=45
